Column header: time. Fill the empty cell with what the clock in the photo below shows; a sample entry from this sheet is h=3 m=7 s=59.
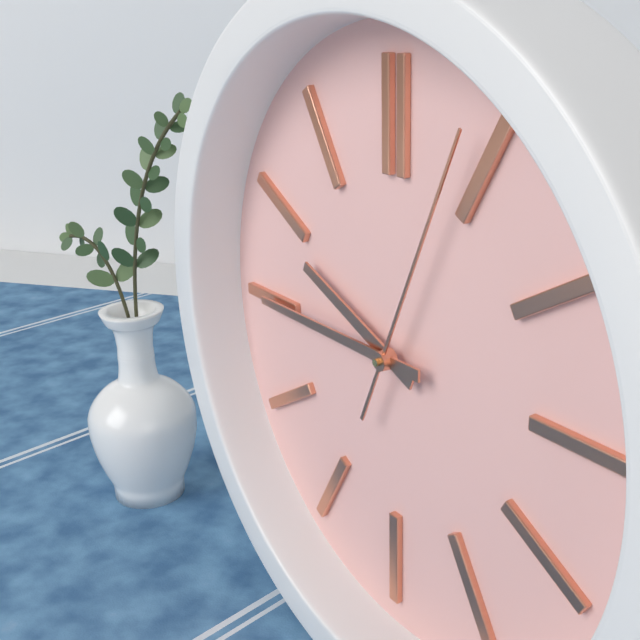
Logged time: h=9 m=45 s=4
